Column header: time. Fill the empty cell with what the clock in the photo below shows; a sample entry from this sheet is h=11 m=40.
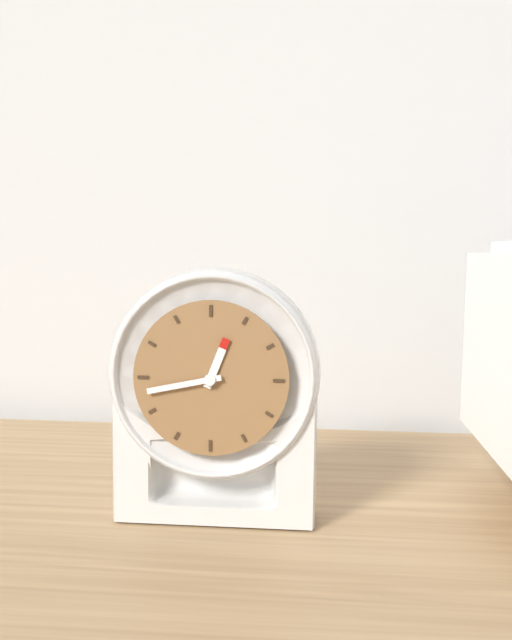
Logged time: h=12 m=43
